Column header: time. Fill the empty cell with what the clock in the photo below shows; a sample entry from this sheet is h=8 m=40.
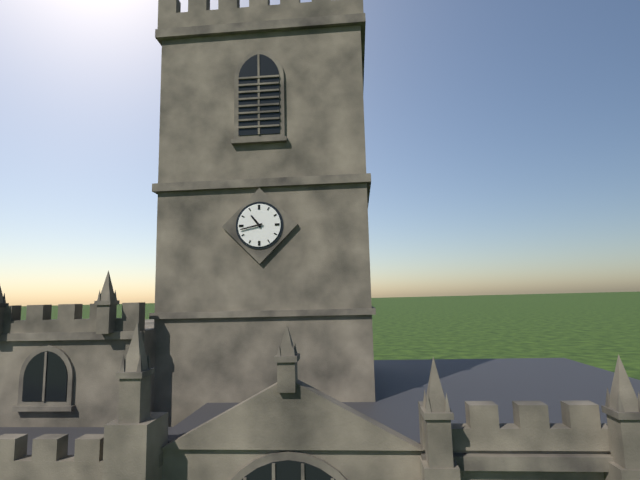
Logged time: h=10 m=43
